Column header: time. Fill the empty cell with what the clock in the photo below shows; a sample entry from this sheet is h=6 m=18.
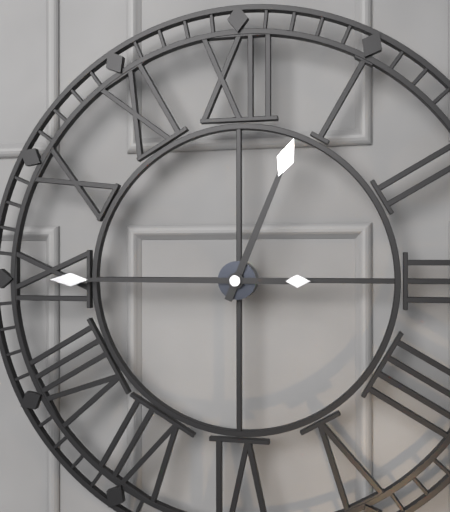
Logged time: h=12 m=45
